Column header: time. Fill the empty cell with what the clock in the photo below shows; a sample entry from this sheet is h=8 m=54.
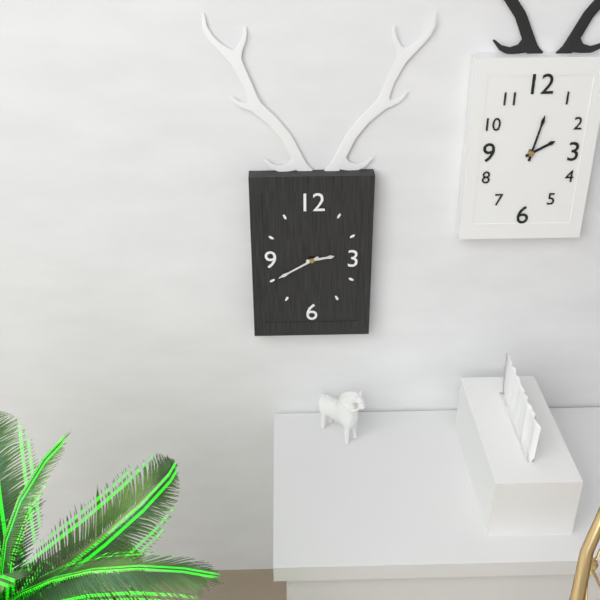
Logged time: h=2 m=40
